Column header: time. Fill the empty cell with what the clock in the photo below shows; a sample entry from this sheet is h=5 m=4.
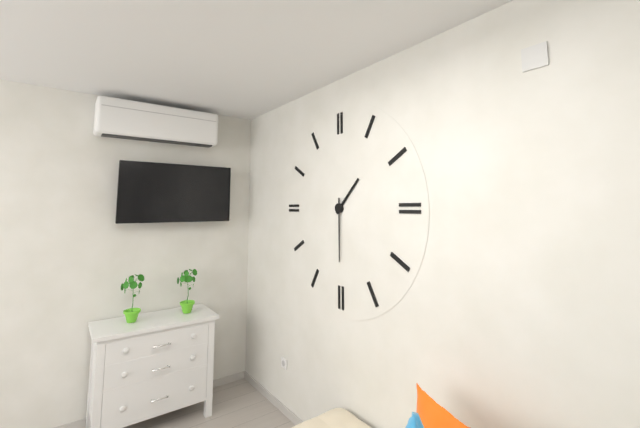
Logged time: h=1 m=30
